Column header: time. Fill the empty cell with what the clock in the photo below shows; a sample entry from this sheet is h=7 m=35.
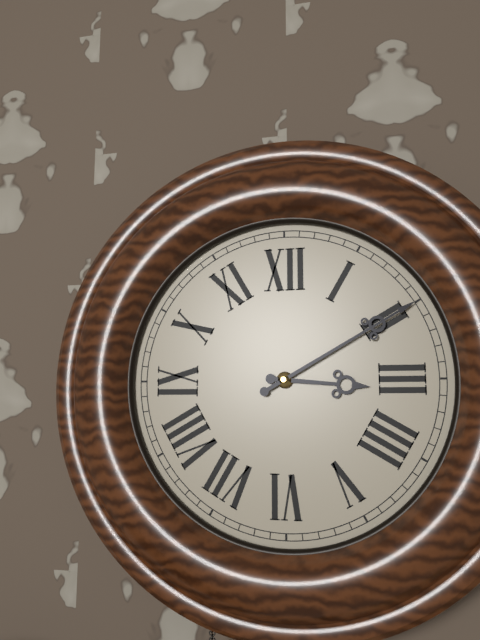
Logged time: h=3 m=10
